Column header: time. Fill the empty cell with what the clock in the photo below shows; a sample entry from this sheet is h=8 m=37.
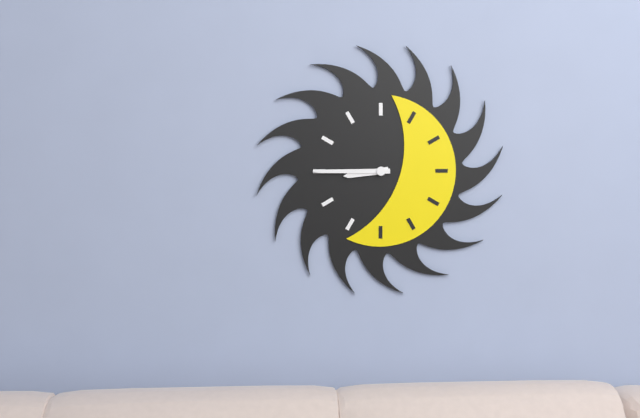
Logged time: h=8 m=45
